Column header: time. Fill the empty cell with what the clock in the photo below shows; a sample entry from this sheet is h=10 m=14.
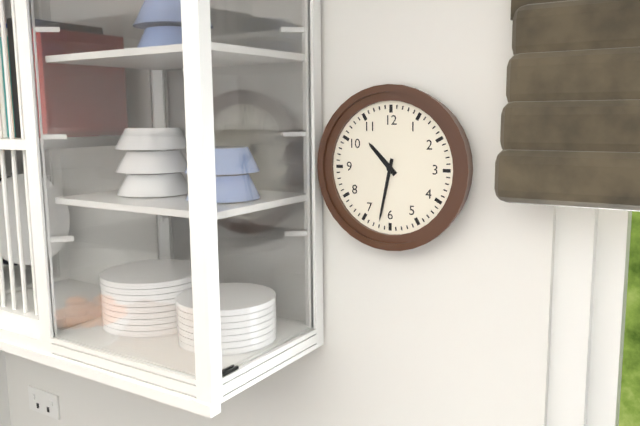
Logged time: h=10 m=32
